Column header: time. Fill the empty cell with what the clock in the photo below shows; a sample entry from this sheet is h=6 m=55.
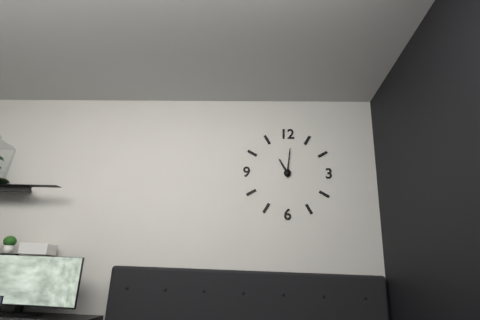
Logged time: h=11 m=1
